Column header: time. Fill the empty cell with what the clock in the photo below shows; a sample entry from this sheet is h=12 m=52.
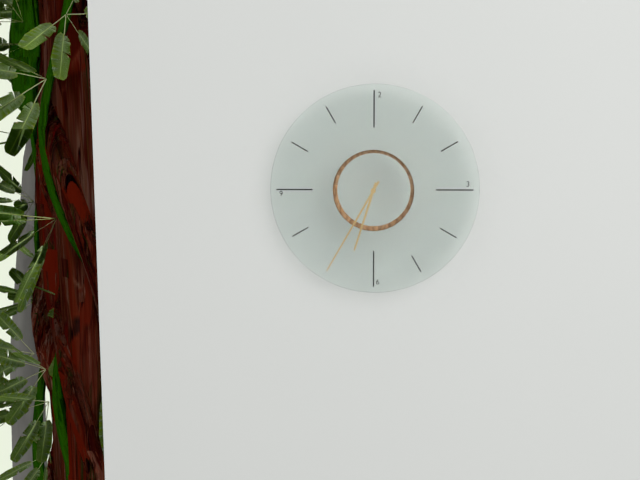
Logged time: h=6 m=35
